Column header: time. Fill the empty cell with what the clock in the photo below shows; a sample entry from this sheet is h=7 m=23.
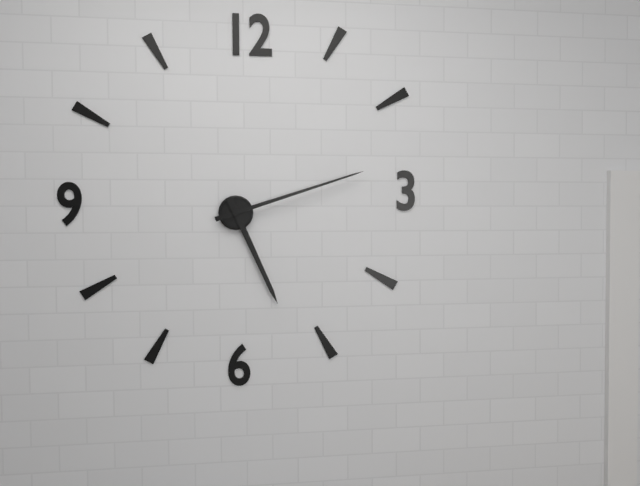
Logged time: h=5 m=12
